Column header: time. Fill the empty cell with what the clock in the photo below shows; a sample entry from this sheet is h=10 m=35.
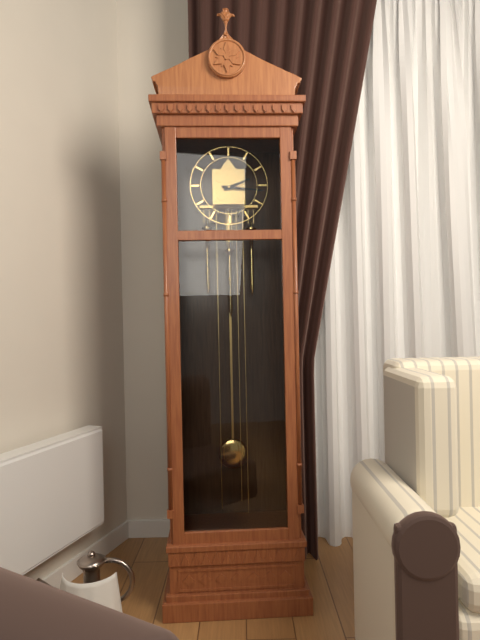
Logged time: h=2 m=16
